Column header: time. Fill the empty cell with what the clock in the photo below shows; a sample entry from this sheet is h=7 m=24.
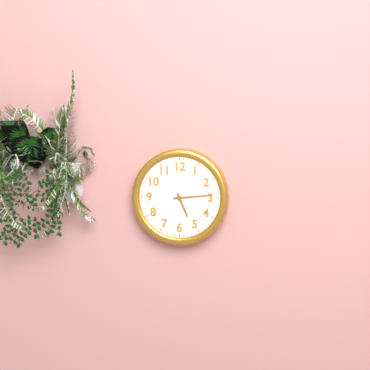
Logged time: h=5 m=14
